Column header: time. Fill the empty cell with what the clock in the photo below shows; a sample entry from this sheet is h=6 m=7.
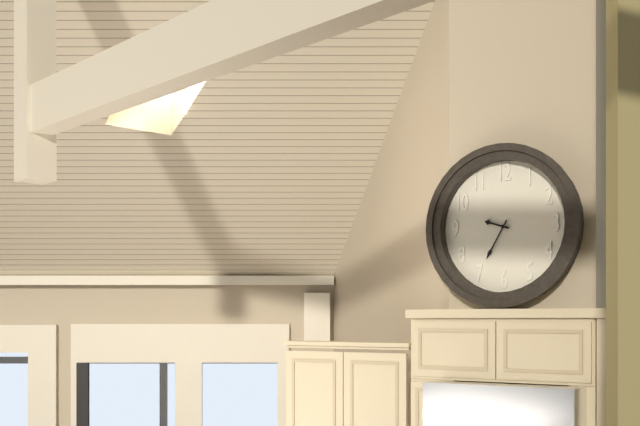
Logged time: h=9 m=35
